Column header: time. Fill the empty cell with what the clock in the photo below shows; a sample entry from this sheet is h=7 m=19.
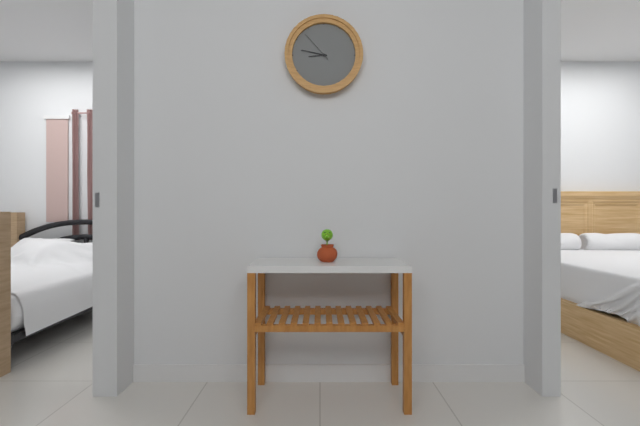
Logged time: h=8 m=47
